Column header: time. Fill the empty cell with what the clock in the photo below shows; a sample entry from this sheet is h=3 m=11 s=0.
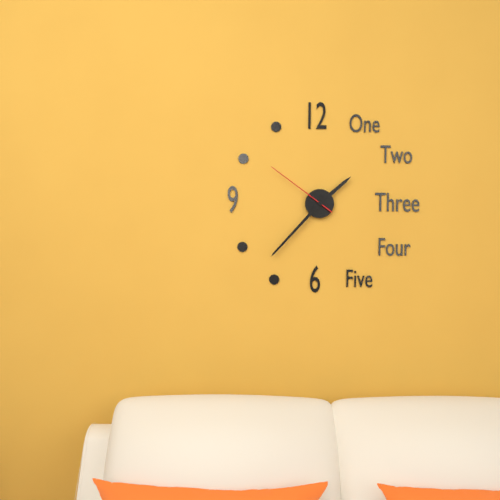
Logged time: h=1 m=37 s=51
